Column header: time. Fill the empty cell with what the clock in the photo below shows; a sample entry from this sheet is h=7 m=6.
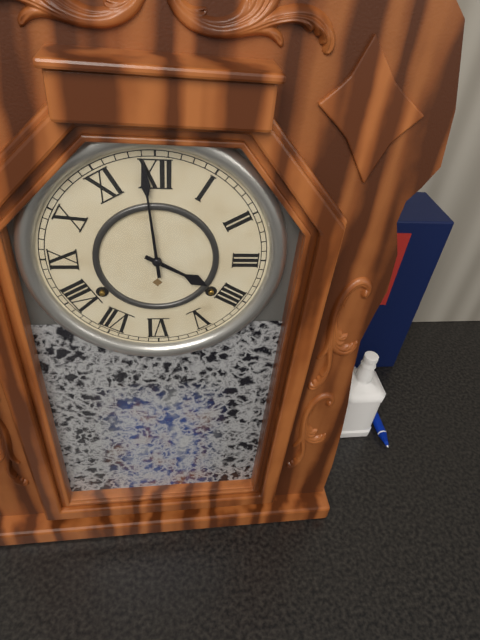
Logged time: h=3 m=59
